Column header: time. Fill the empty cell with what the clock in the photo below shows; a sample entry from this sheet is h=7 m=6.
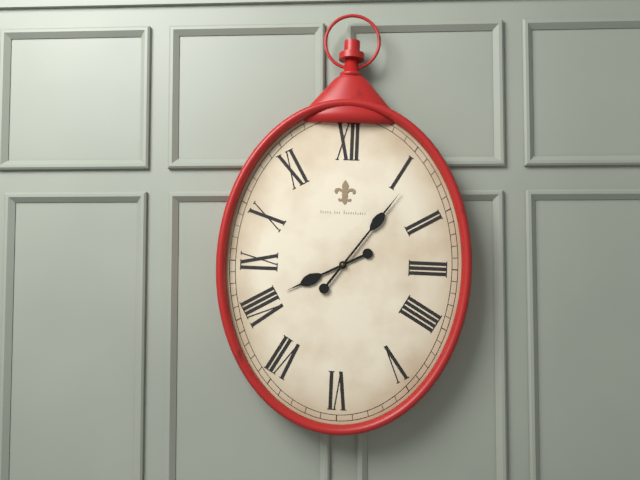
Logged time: h=8 m=6
